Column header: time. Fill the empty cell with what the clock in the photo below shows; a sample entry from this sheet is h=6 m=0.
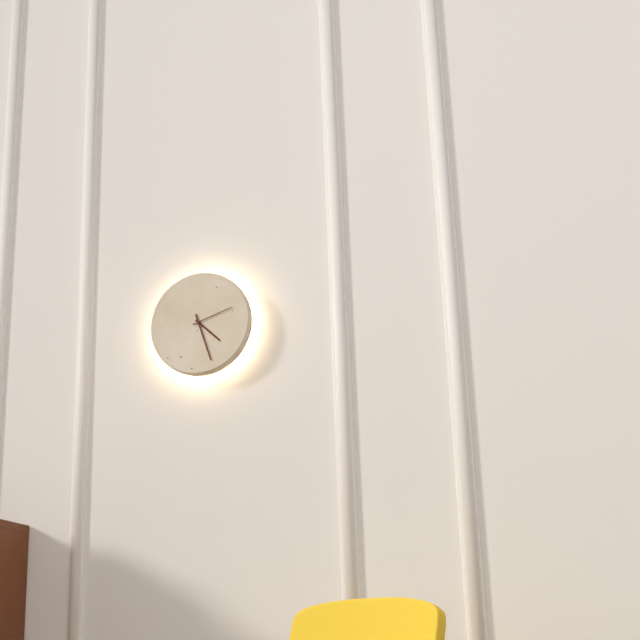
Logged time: h=4 m=27
